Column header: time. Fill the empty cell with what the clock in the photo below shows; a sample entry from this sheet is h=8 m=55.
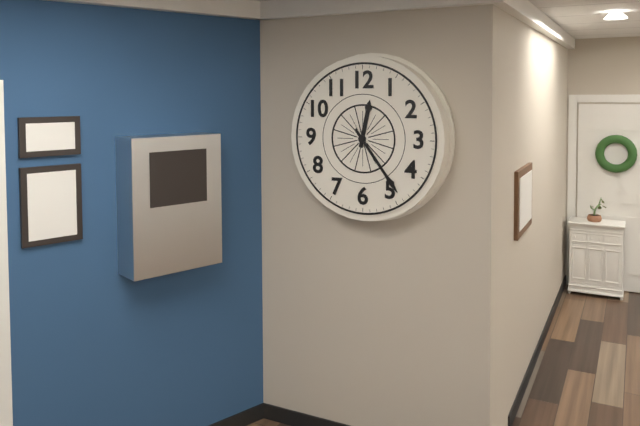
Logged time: h=12 m=24
